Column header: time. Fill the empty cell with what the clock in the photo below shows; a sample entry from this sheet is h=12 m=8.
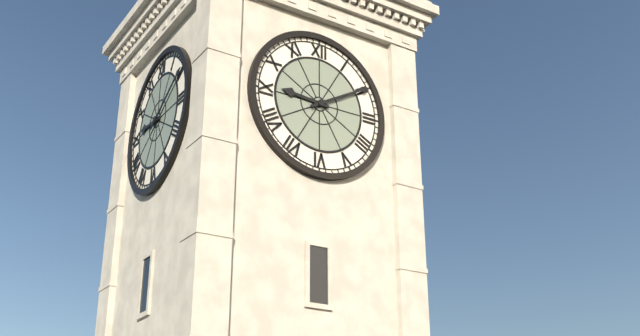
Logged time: h=9 m=10
